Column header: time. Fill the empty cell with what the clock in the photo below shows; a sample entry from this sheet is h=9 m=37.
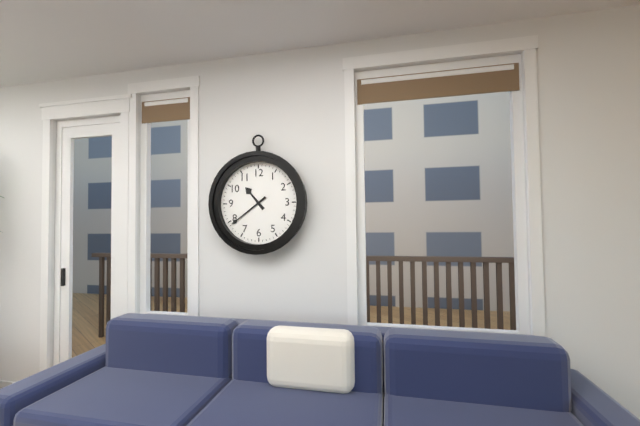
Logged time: h=10 m=39
